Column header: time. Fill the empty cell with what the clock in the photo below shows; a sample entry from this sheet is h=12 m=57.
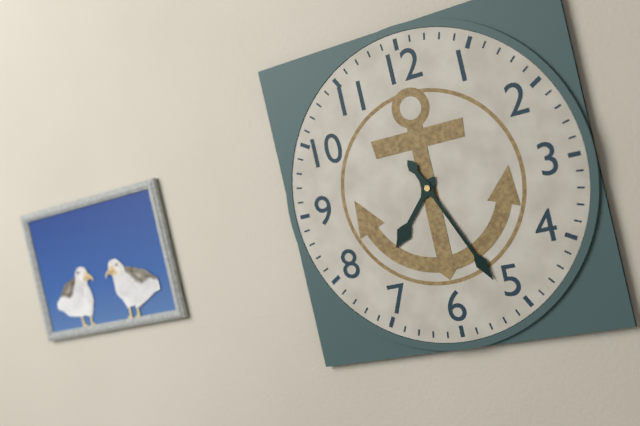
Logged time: h=7 m=26
